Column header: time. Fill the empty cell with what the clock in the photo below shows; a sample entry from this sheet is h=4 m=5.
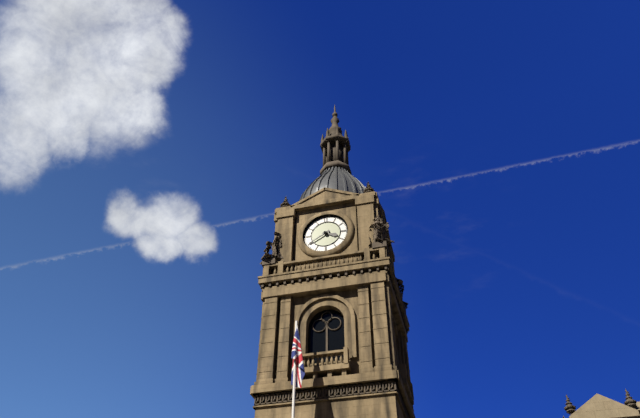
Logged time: h=3 m=40
